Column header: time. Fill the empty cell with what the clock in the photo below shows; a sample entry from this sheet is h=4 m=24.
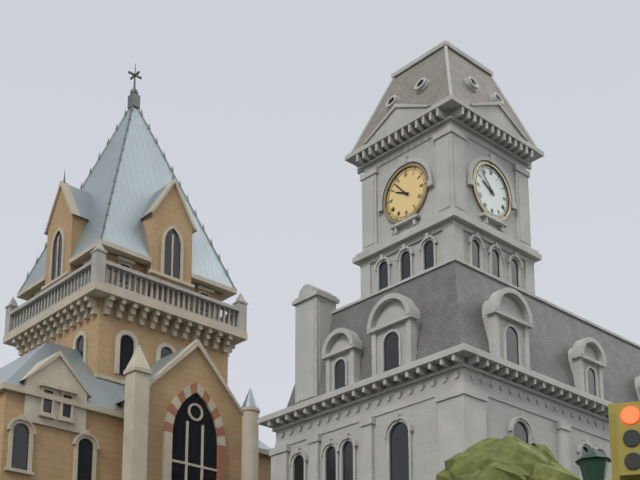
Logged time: h=9 m=53
